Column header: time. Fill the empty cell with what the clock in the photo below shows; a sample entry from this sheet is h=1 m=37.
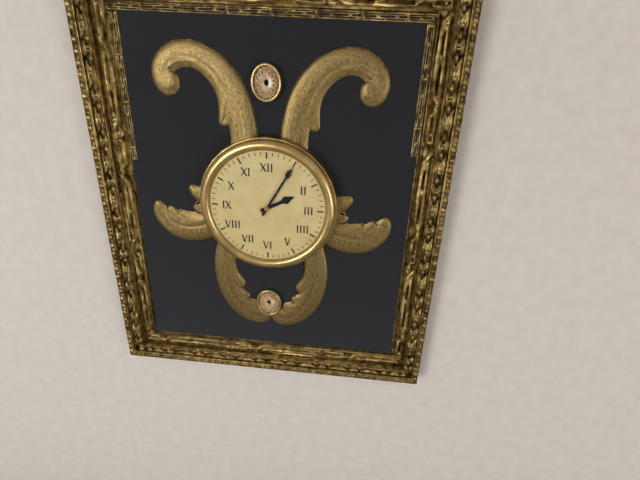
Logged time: h=2 m=5
